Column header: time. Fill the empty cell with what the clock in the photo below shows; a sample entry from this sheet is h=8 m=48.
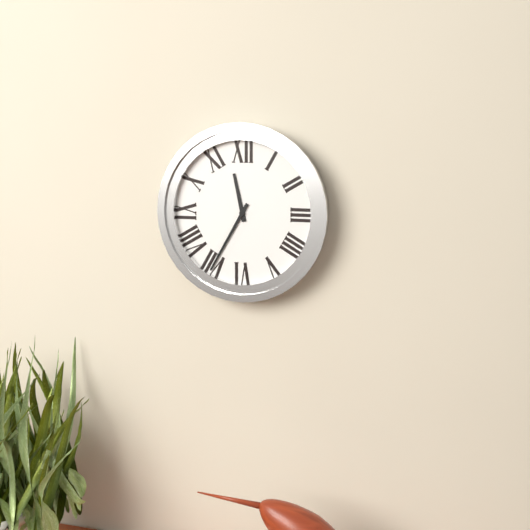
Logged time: h=11 m=35
